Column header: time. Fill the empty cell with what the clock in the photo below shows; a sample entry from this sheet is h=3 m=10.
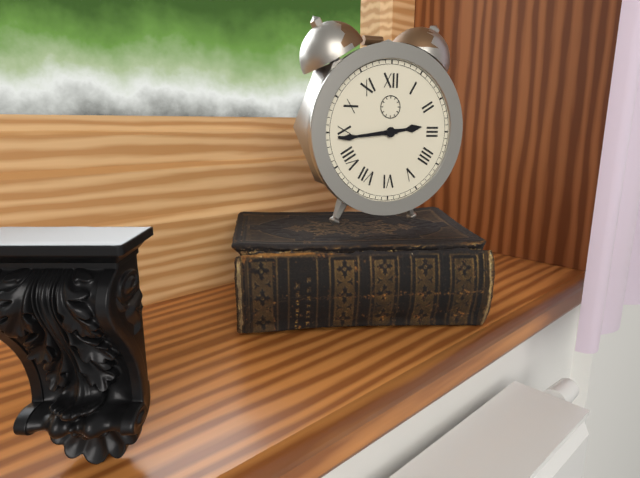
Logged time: h=2 m=44
